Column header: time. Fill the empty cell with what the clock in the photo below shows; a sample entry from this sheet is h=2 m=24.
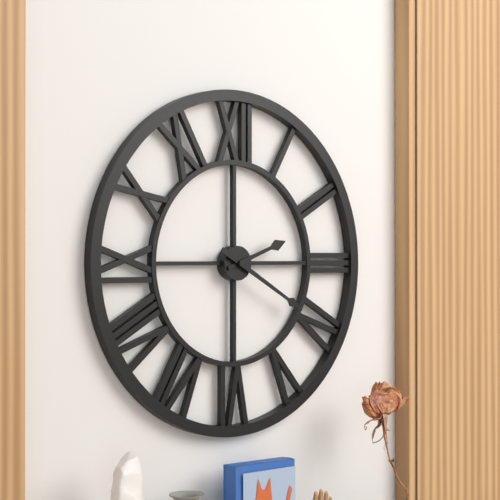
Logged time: h=2 m=20
